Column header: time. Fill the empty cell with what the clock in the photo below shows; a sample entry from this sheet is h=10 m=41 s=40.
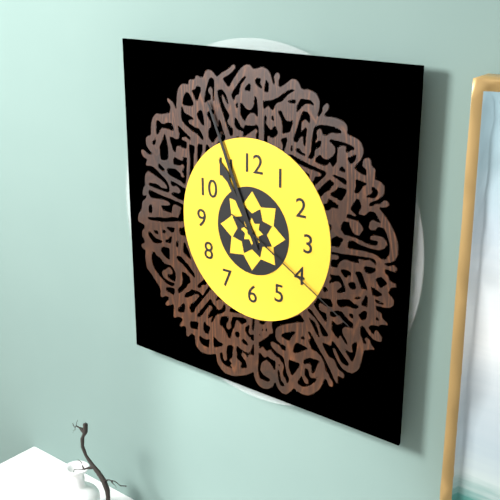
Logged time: h=10 m=56 s=20
